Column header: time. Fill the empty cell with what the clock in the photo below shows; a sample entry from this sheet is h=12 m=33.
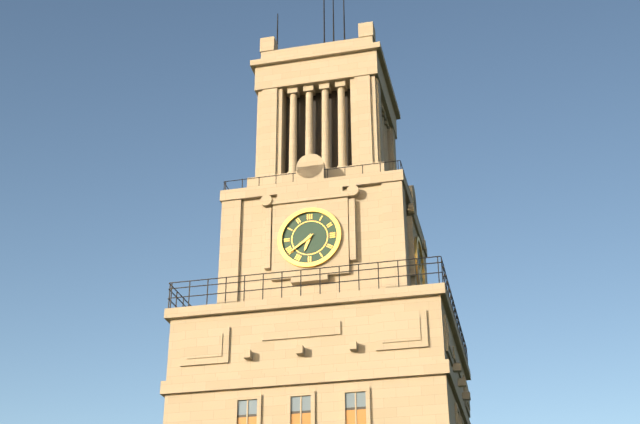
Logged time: h=6 m=39
